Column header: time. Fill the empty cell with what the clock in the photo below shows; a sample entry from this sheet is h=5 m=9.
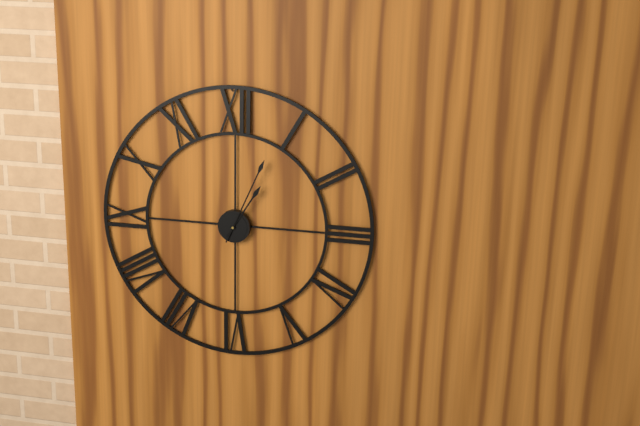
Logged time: h=1 m=4
